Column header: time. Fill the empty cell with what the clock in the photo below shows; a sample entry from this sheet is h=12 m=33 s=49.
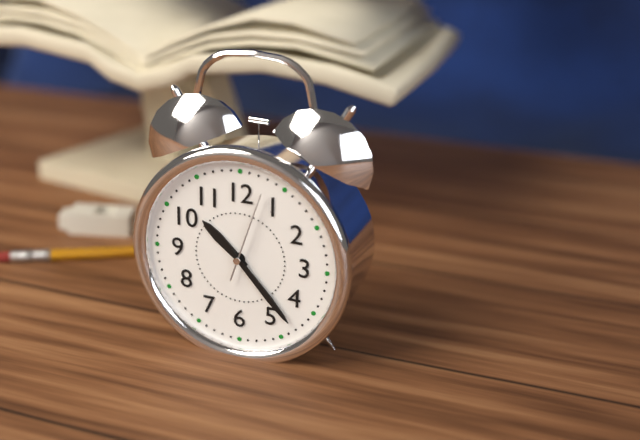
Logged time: h=10 m=23 s=3
